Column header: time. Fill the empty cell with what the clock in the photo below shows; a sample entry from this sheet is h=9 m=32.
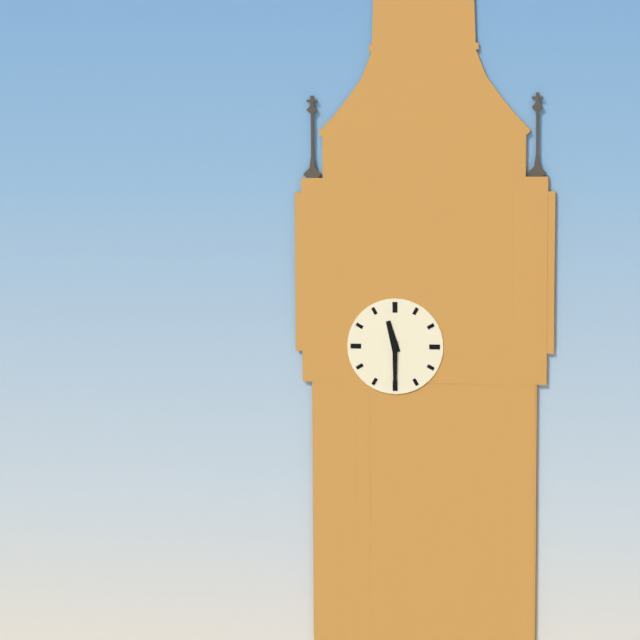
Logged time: h=11 m=30
